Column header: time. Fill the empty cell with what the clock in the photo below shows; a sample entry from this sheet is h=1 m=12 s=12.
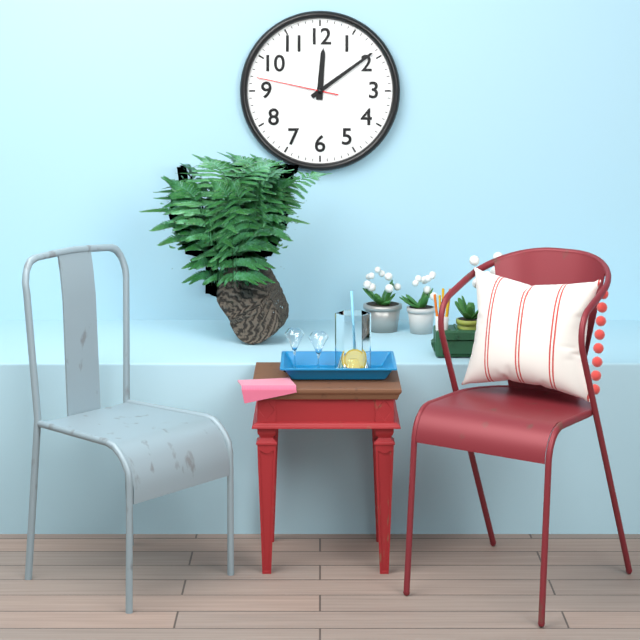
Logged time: h=12 m=9 s=47
